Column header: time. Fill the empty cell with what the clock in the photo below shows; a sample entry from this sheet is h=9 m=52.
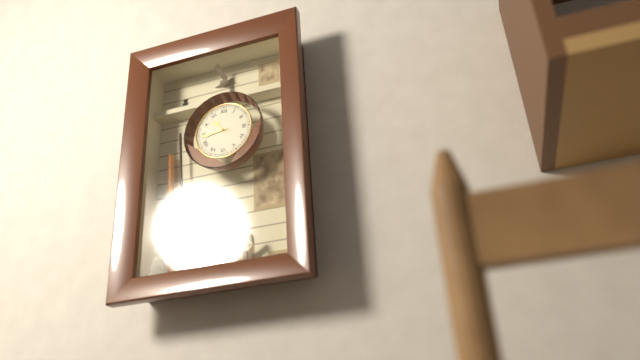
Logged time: h=10 m=44
